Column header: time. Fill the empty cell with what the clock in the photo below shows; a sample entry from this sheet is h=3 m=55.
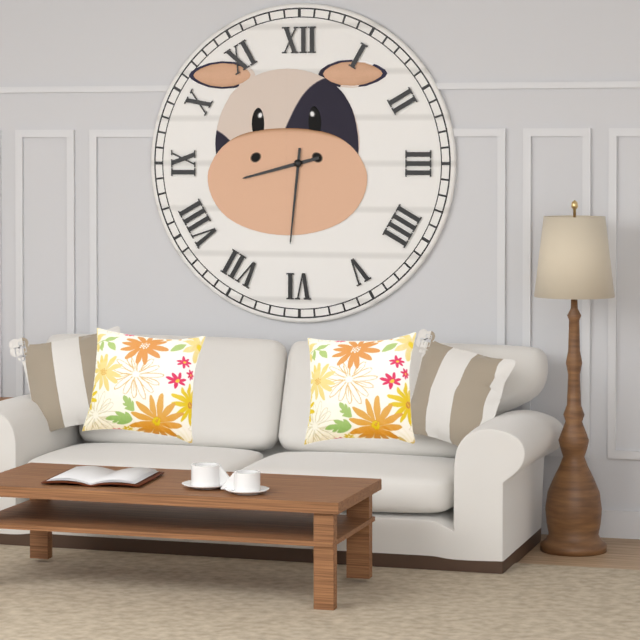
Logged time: h=8 m=31
